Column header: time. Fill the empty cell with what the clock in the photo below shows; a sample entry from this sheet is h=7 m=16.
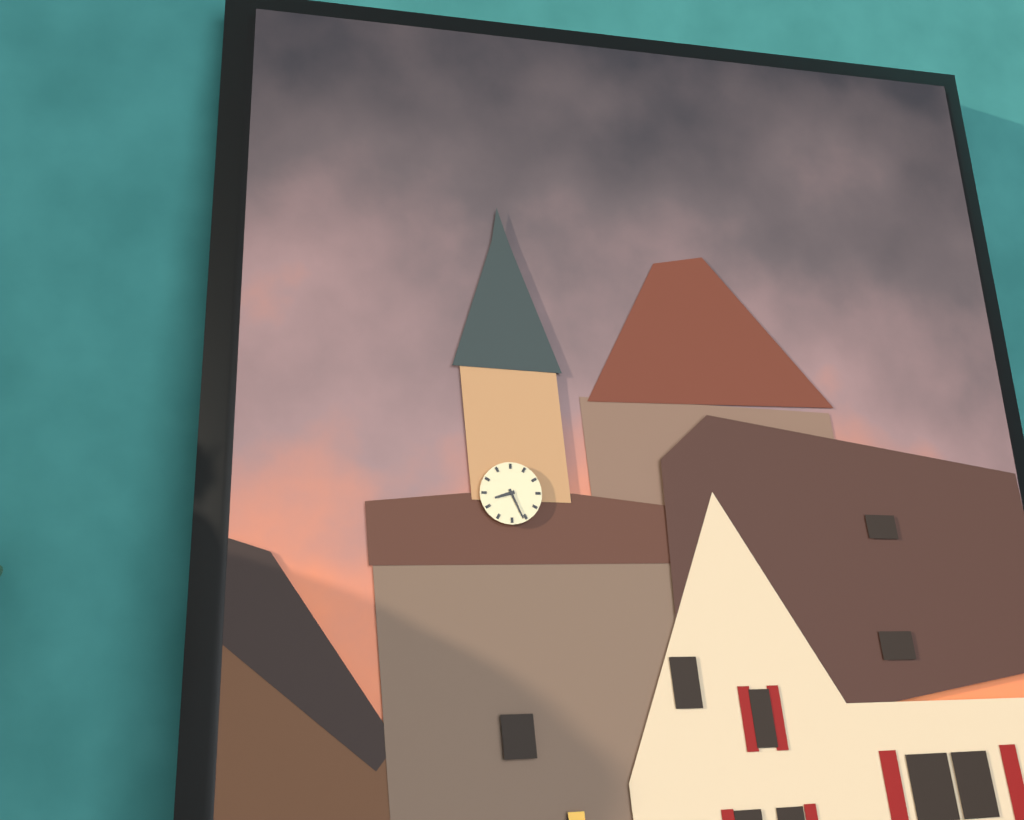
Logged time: h=8 m=26
